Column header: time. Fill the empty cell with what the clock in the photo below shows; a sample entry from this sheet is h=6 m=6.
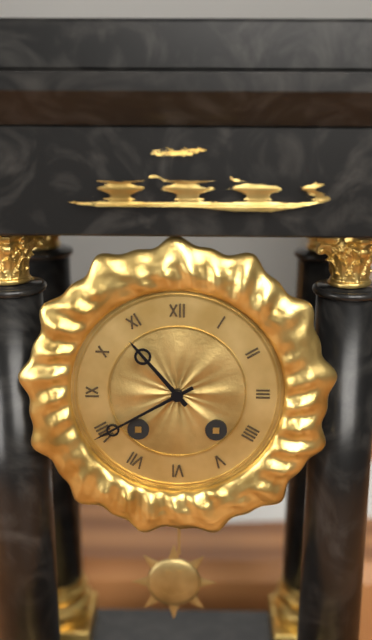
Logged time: h=10 m=40
